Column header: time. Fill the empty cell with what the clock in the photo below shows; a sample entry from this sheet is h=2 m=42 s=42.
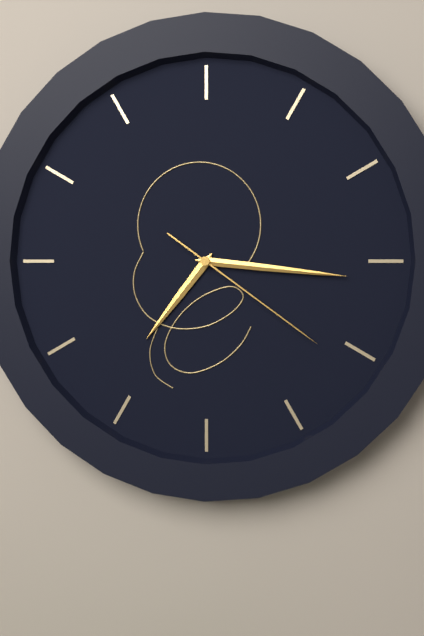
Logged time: h=7 m=16 s=21
